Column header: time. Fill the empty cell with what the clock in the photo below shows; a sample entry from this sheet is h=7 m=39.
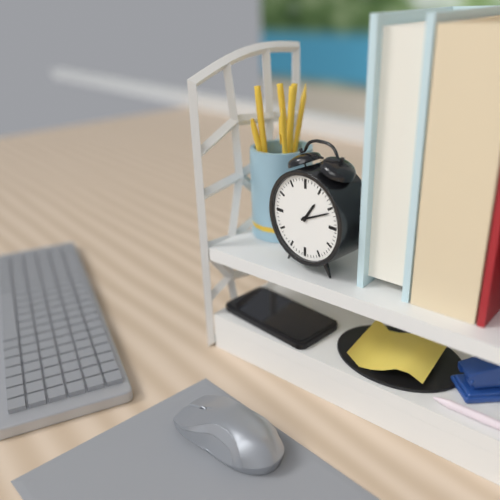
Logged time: h=1 m=11
